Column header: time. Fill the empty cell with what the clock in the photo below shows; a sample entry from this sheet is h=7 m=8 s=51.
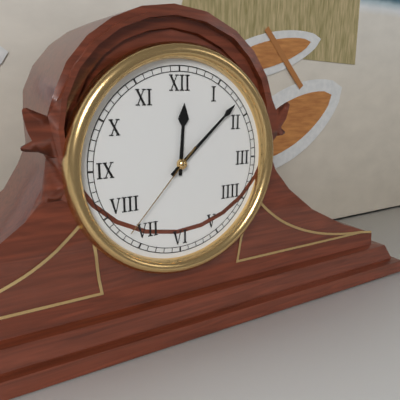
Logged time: h=12 m=8 s=37
